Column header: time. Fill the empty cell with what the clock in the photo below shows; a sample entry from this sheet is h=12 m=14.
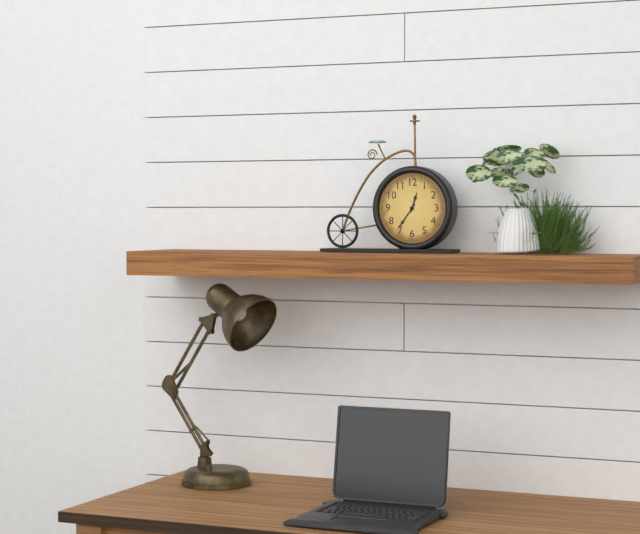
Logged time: h=12 m=36
